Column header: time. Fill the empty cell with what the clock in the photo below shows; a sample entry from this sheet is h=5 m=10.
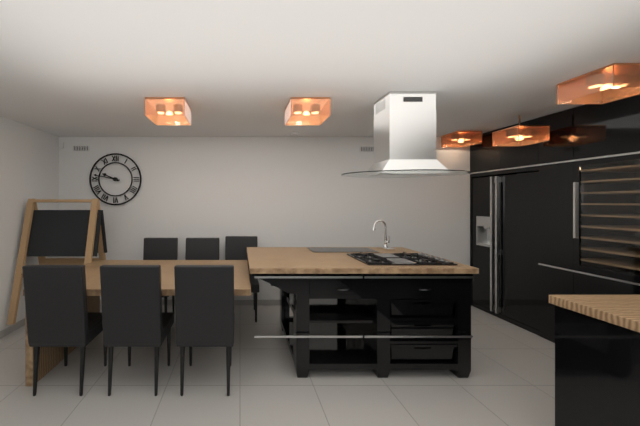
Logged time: h=9 m=47
